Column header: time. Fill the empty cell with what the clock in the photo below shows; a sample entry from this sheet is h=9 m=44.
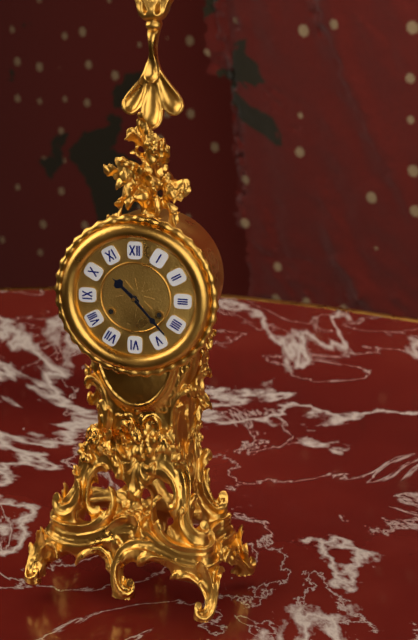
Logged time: h=10 m=23
